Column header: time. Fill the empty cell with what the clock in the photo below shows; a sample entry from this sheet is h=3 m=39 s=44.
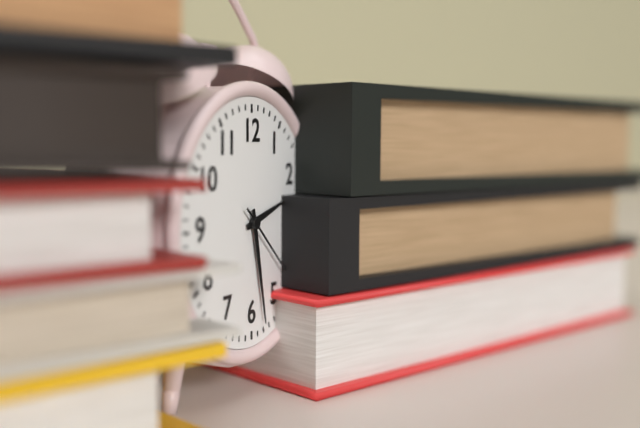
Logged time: h=2 m=28 s=22
